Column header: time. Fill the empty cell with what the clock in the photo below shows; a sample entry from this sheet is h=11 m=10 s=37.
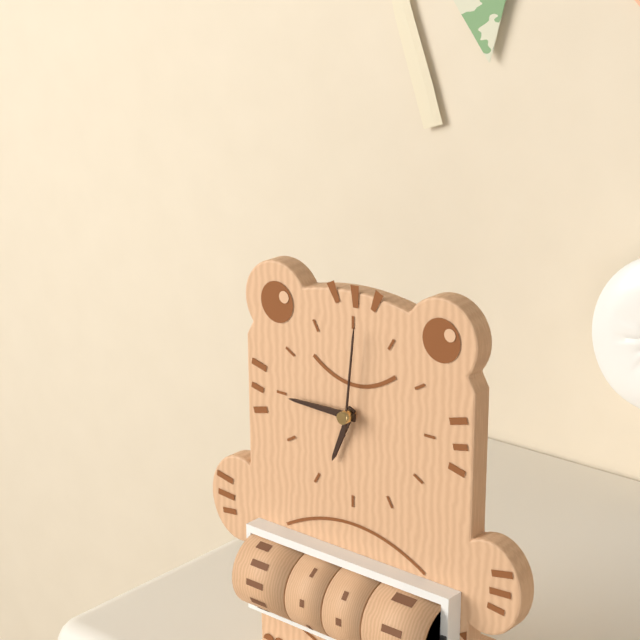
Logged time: h=6 m=45 s=1
